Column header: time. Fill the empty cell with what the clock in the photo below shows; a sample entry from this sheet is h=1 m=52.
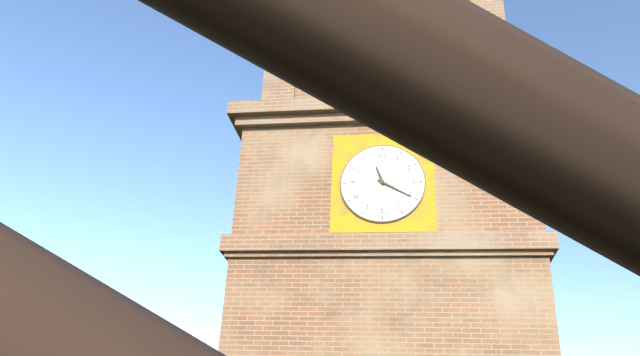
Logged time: h=11 m=20
